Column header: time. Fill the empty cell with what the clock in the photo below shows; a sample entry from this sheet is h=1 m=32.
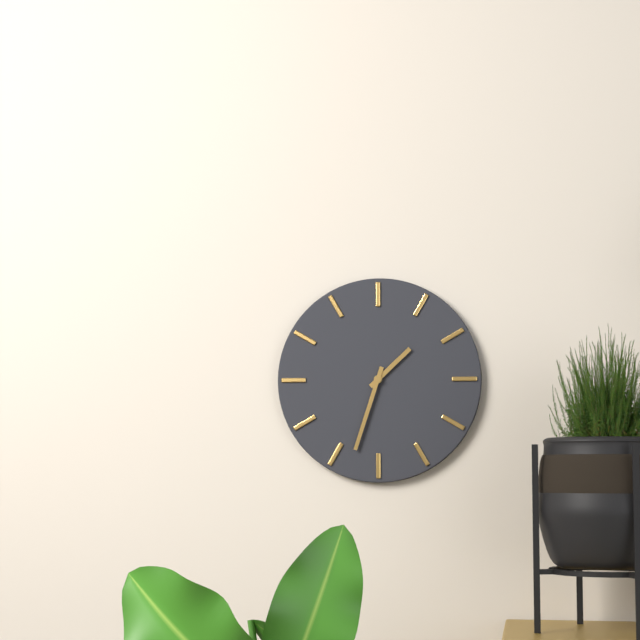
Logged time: h=1 m=33
